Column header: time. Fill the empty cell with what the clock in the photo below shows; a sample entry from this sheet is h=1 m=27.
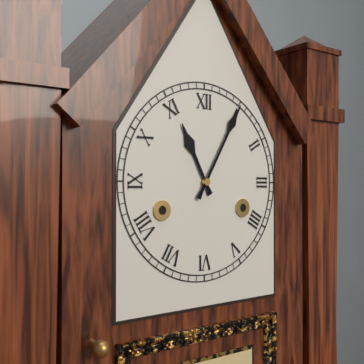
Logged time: h=11 m=5
